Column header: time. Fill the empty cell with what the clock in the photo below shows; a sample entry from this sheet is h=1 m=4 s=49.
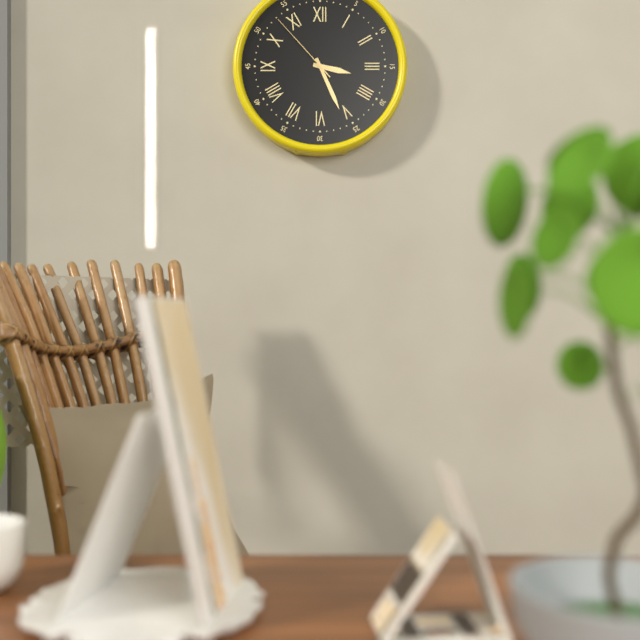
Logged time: h=3 m=26 s=53
